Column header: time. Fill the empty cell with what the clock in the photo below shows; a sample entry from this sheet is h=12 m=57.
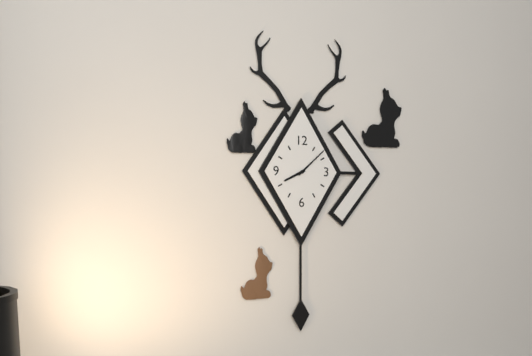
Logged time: h=8 m=8
